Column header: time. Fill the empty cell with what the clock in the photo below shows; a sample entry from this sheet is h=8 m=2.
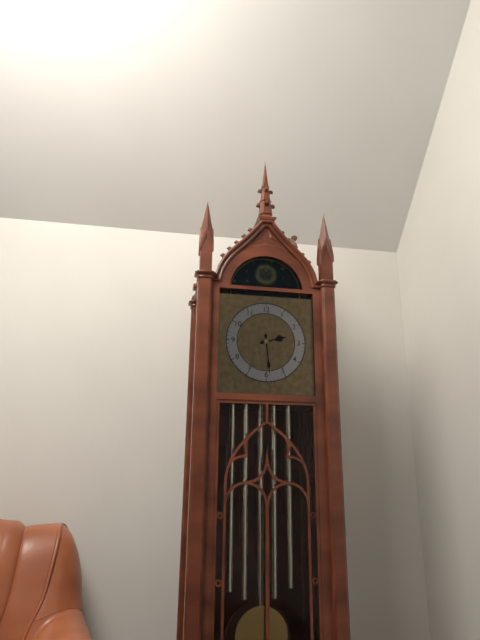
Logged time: h=2 m=29
